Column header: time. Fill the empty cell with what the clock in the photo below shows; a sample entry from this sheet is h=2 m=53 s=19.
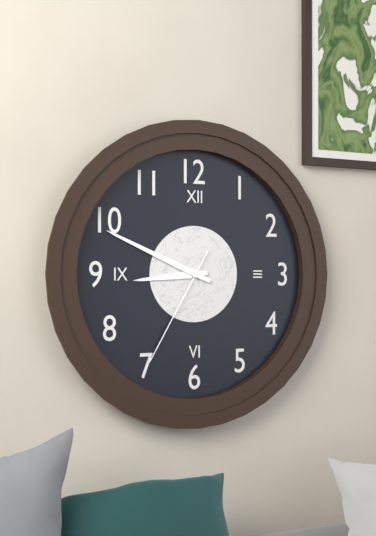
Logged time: h=8 m=49 s=35
